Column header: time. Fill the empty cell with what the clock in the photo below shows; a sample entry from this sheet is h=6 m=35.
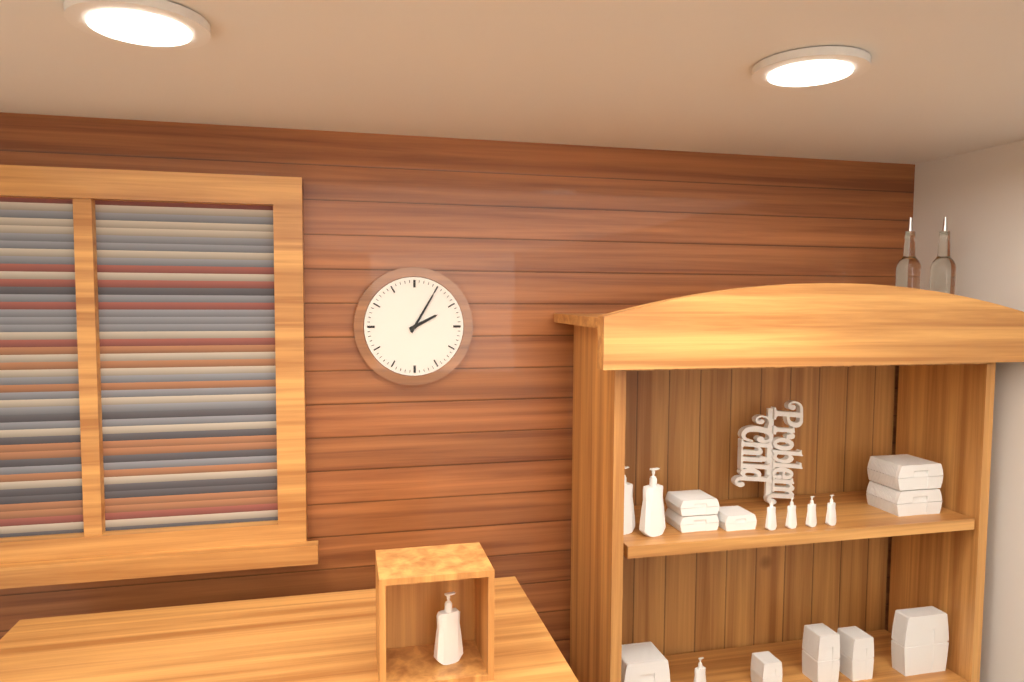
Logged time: h=2 m=5
